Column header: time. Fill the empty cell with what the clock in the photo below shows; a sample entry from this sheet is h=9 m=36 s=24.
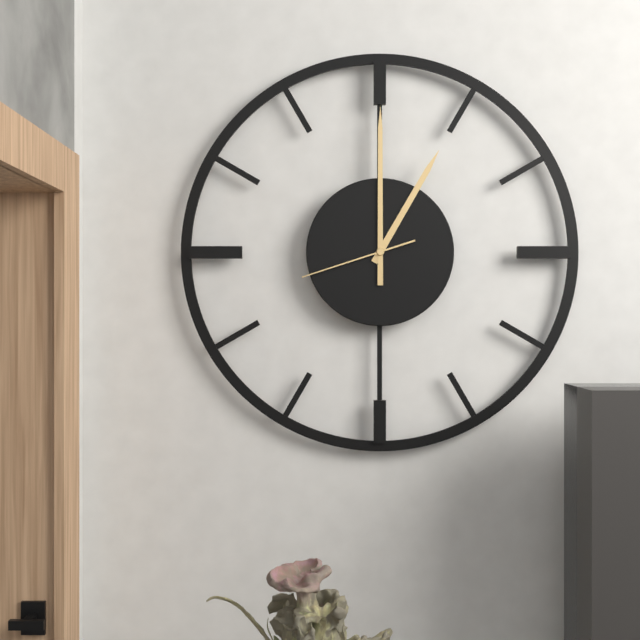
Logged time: h=1 m=0 s=42
